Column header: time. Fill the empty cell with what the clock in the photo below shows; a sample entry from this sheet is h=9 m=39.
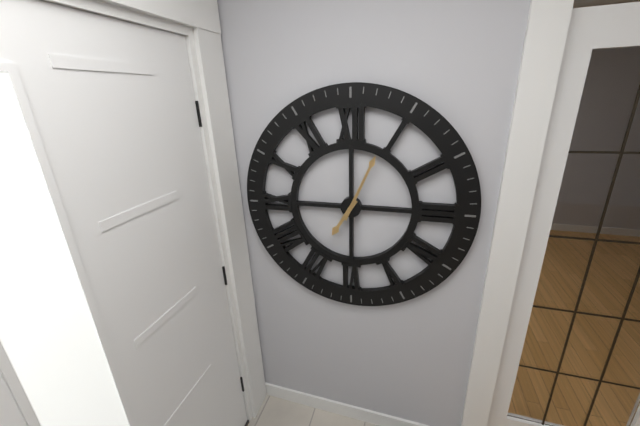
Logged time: h=7 m=4
